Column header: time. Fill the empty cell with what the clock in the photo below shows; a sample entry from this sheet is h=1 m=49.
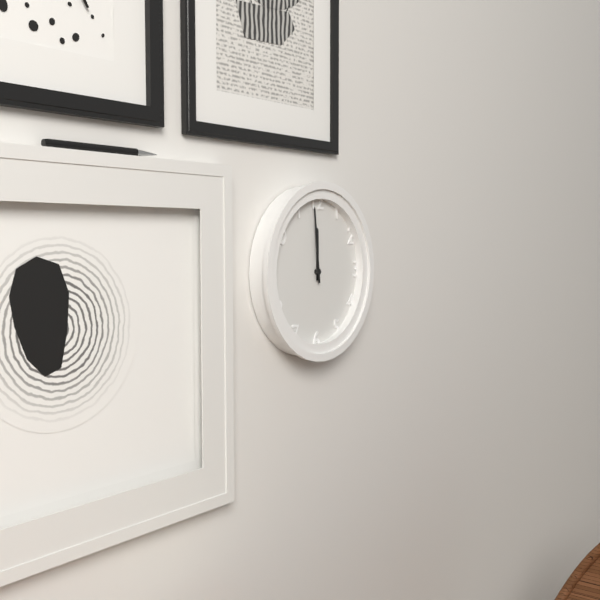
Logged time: h=11 m=59
